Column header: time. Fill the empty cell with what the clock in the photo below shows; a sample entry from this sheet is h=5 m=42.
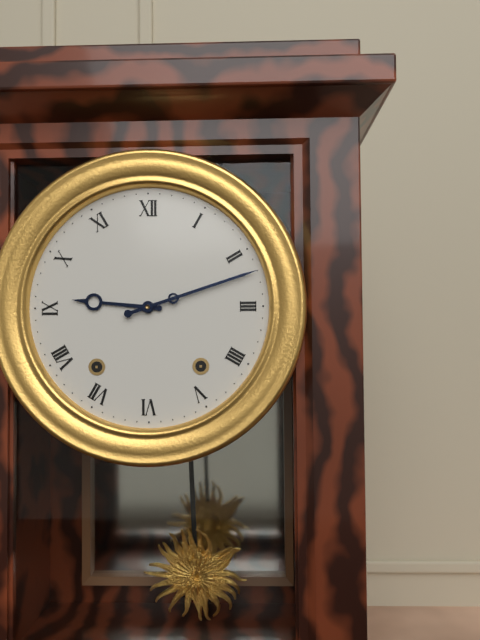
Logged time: h=9 m=12
